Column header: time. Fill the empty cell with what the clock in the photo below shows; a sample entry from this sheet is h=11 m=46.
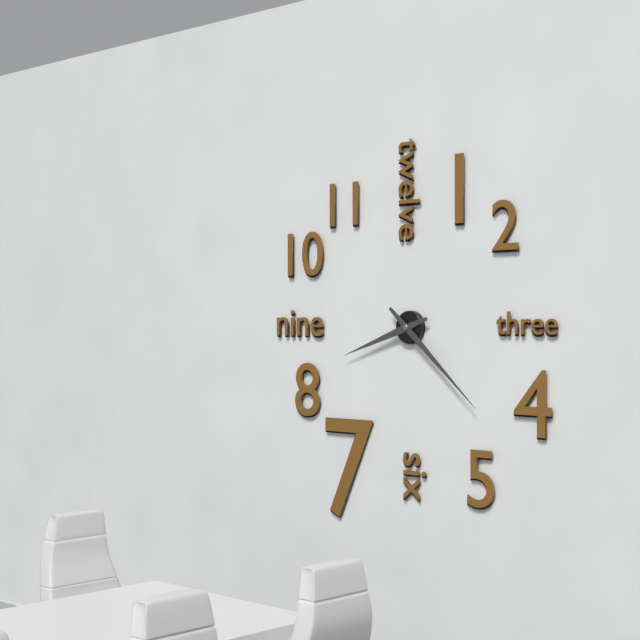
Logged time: h=8 m=22
